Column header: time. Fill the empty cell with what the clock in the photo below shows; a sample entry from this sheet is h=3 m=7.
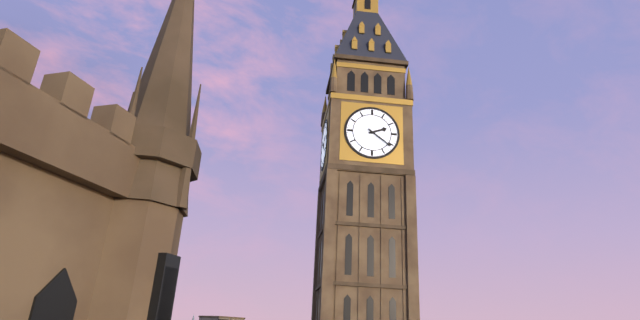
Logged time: h=2 m=21
